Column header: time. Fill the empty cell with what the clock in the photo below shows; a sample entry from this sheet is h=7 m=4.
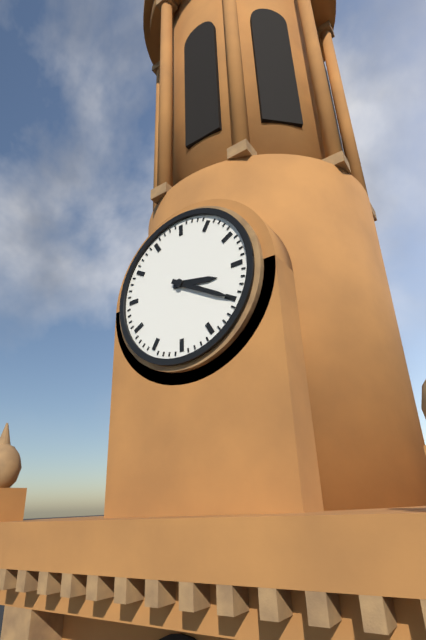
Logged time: h=3 m=20
